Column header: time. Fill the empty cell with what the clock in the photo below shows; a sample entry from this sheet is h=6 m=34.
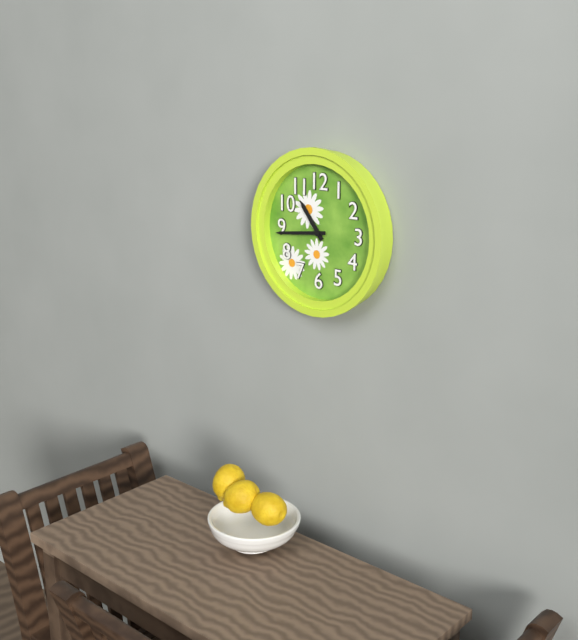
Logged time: h=10 m=44
